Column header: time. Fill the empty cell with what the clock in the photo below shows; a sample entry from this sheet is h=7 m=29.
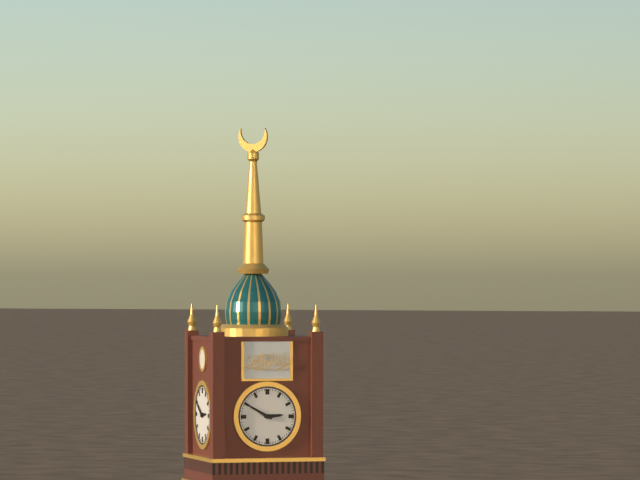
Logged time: h=2 m=50
